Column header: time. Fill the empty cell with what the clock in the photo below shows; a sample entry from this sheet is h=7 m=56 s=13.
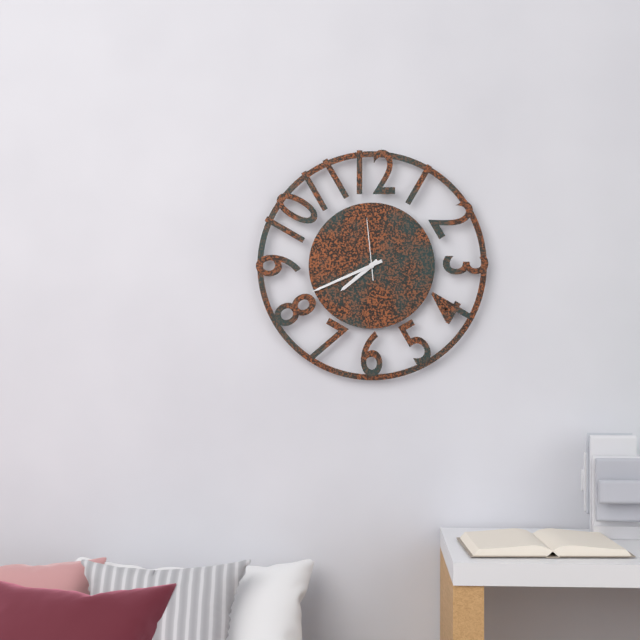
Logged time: h=7 m=41 s=59
